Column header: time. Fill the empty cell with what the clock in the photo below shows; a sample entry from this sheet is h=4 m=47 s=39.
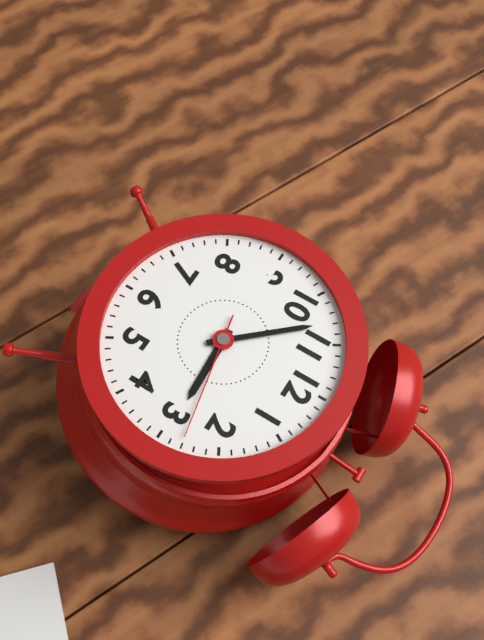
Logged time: h=2 m=53 s=13
